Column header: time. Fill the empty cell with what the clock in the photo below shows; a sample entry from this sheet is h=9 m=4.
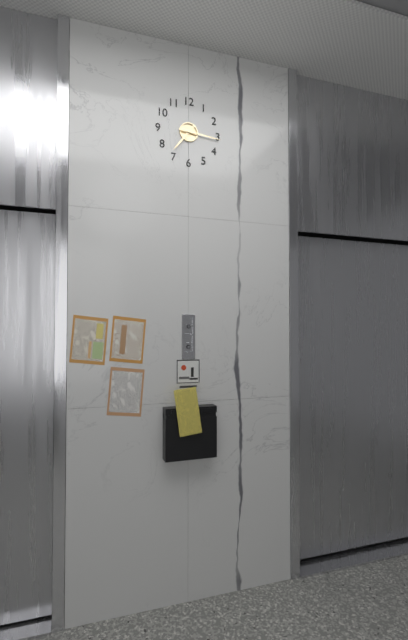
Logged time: h=7 m=16
